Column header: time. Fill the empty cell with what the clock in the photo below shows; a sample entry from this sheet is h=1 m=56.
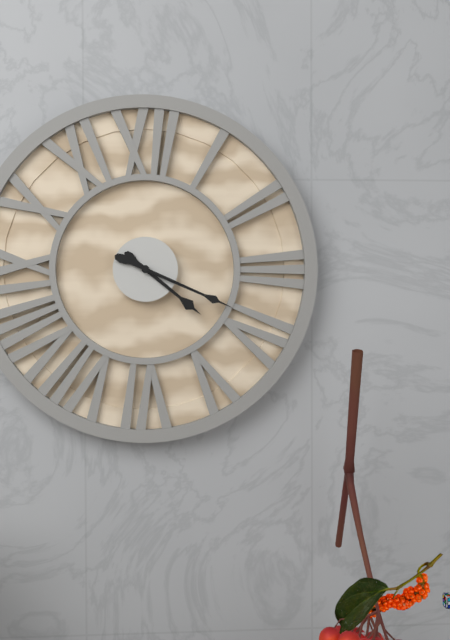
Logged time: h=4 m=19
